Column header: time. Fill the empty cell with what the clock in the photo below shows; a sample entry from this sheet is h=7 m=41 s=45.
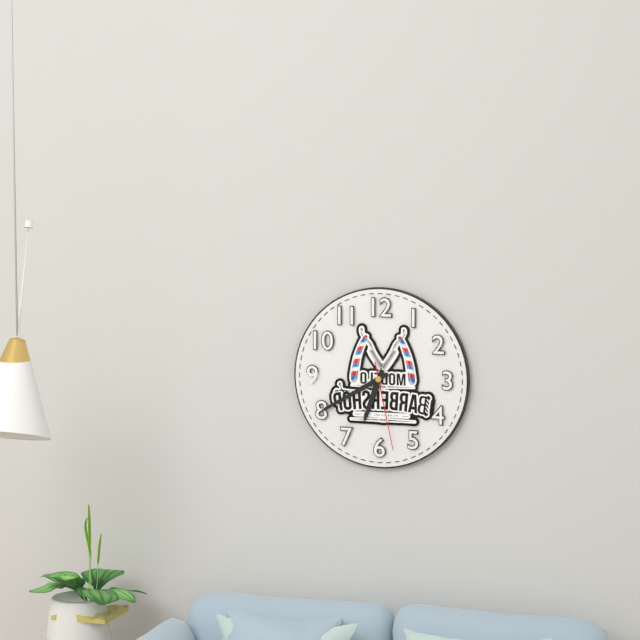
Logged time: h=6 m=40 s=28
